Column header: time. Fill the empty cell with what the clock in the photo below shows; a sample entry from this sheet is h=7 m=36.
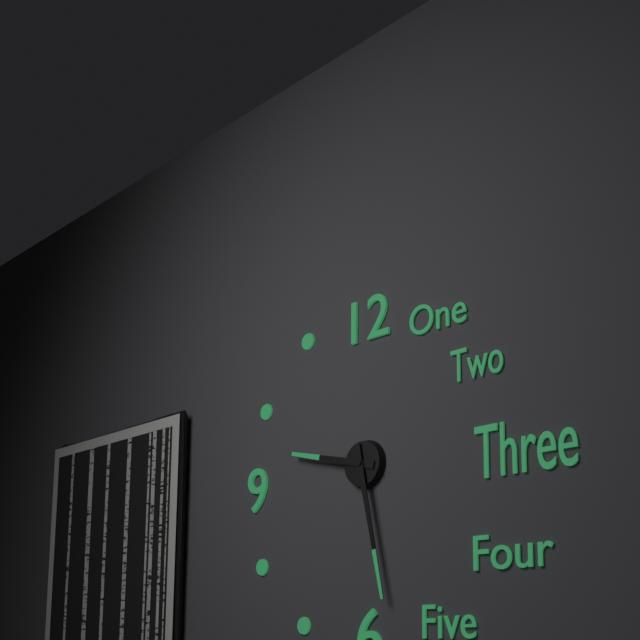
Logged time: h=9 m=28
